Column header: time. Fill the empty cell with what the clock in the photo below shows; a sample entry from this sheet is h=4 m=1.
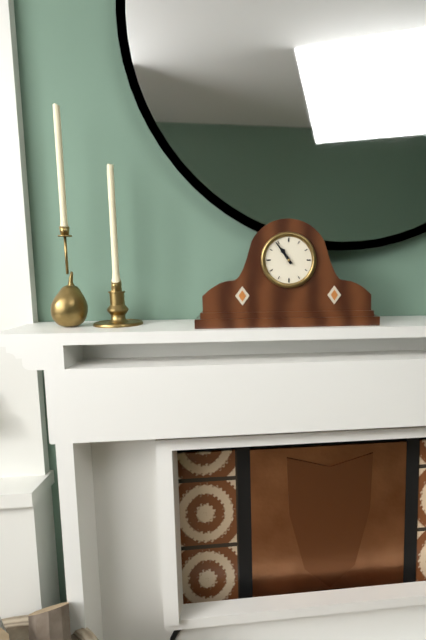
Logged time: h=10 m=54
